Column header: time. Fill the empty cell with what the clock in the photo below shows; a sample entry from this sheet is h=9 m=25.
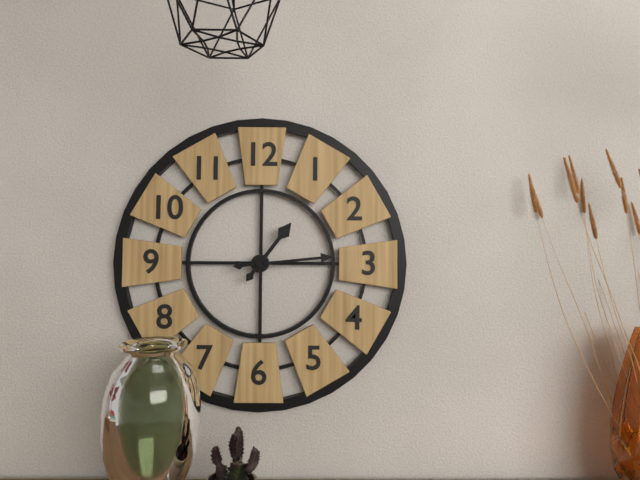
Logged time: h=1 m=14
